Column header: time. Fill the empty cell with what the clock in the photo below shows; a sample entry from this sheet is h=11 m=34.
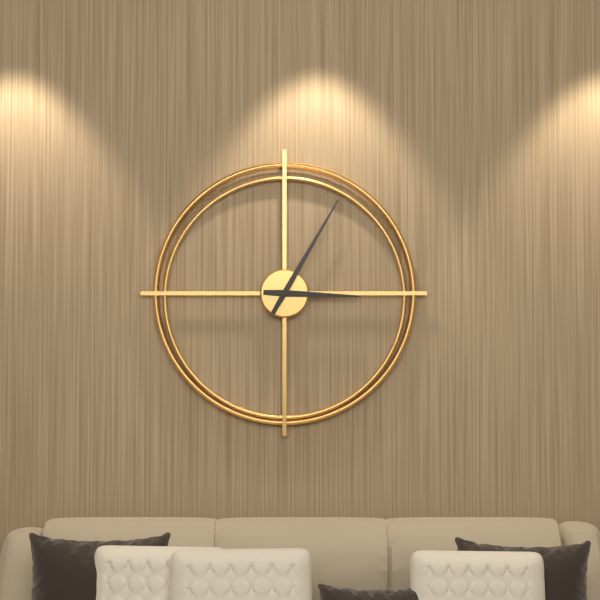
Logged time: h=3 m=5
